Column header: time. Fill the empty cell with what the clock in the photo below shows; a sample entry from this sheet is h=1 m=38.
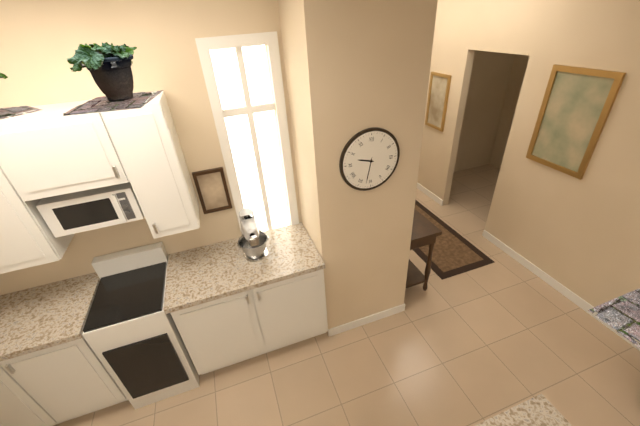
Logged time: h=9 m=32
